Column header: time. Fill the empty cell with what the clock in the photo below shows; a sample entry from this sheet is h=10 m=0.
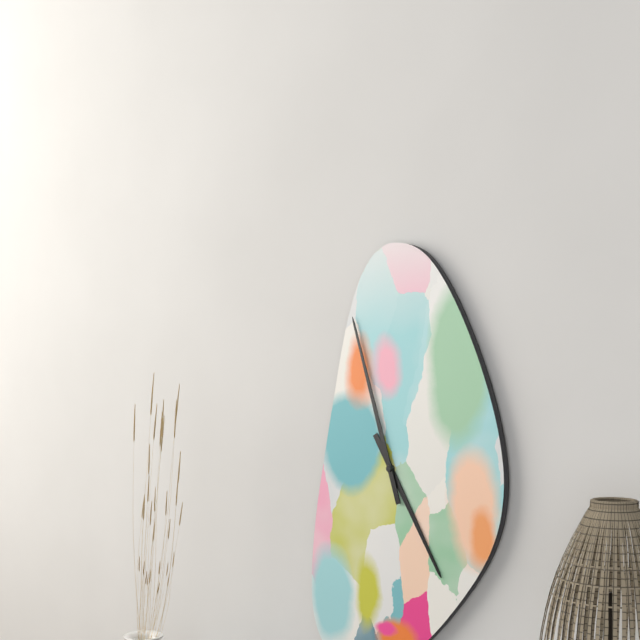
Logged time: h=4 m=57
